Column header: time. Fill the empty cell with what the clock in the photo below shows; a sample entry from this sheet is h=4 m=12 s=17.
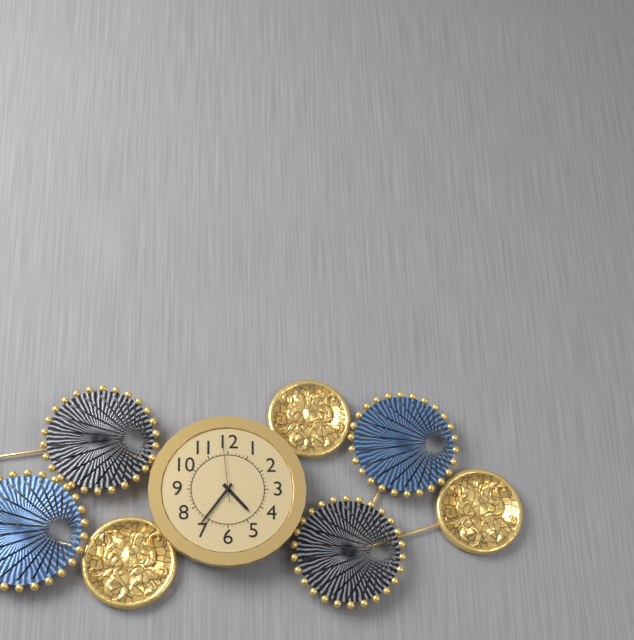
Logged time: h=4 m=36 s=59
